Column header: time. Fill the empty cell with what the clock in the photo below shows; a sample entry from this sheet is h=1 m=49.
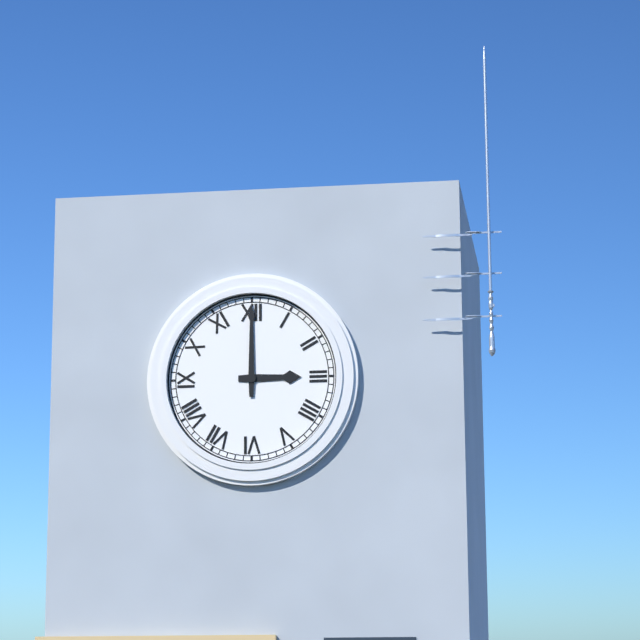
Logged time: h=3 m=0
